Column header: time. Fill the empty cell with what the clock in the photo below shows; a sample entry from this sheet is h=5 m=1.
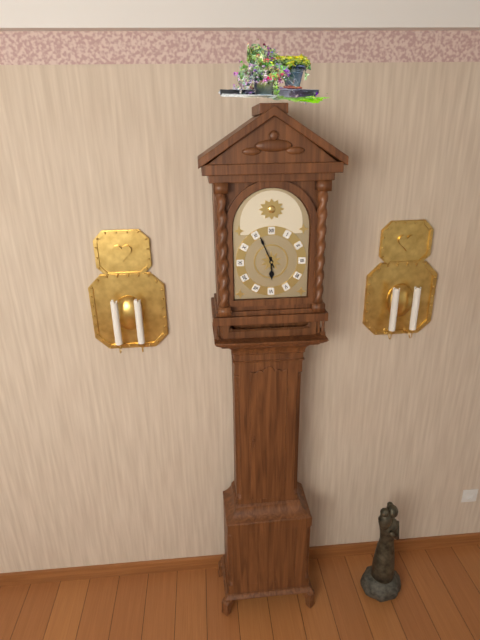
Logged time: h=5 m=56
